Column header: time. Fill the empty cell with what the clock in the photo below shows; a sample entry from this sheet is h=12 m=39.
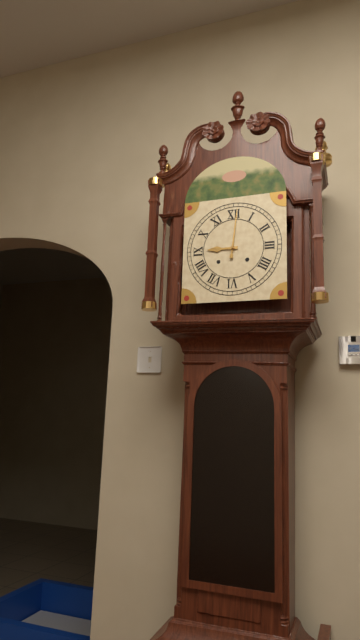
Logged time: h=9 m=1
